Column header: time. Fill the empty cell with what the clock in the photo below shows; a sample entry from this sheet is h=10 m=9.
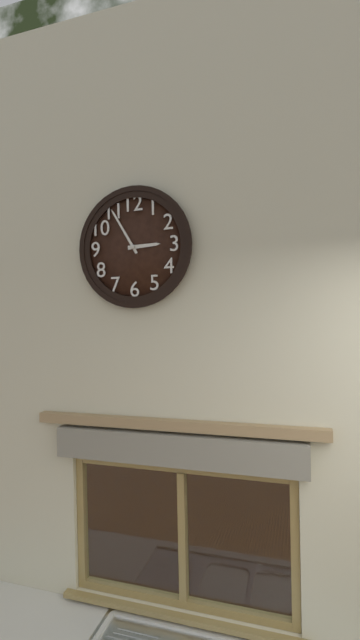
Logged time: h=2 m=55
